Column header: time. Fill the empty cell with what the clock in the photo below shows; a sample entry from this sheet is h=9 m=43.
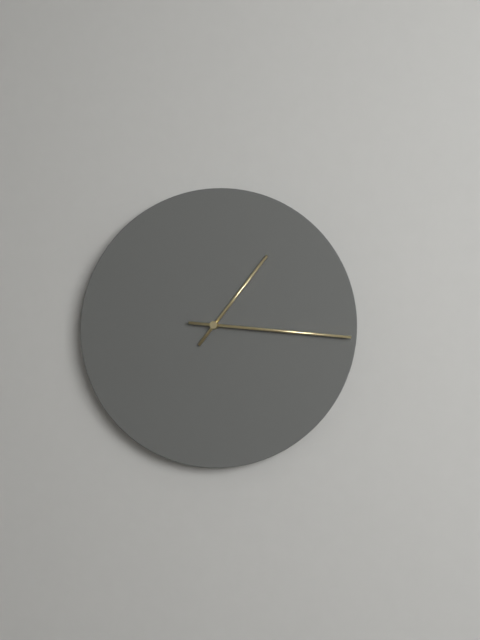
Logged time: h=1 m=16
